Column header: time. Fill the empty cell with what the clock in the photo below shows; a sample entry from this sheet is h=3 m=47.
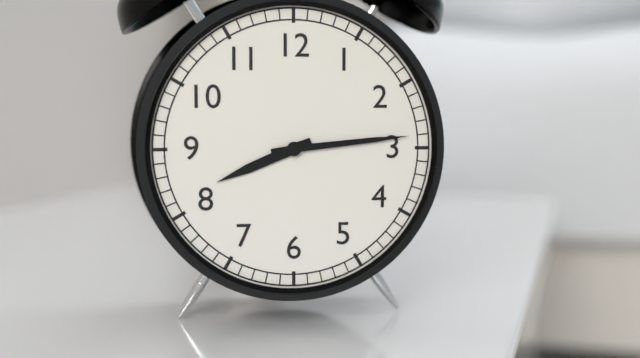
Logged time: h=8 m=14
